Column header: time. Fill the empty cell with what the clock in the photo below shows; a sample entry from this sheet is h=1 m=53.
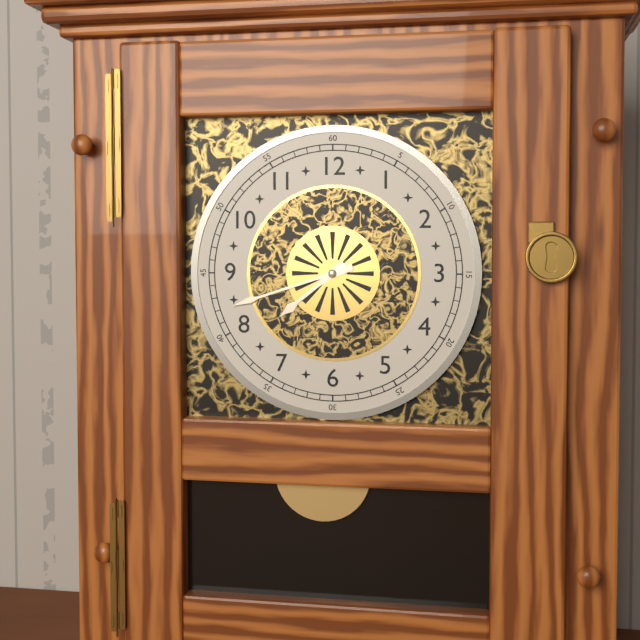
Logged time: h=7 m=42
